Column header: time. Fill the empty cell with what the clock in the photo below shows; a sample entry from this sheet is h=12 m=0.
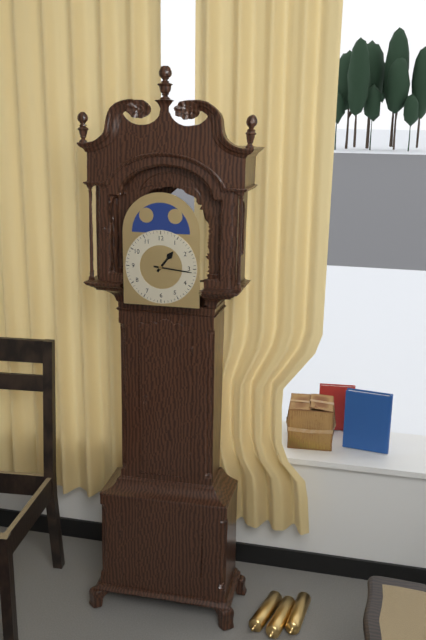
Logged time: h=1 m=16
